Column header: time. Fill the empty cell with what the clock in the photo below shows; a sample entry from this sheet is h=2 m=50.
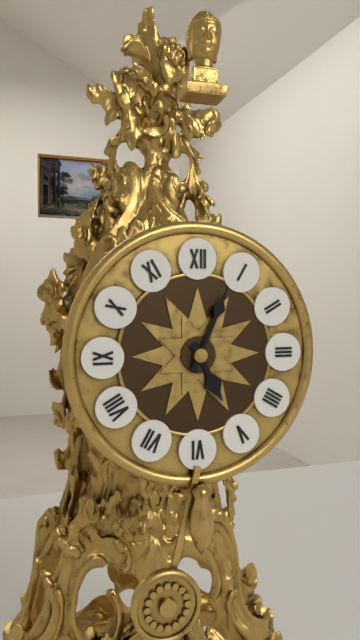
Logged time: h=5 m=4
